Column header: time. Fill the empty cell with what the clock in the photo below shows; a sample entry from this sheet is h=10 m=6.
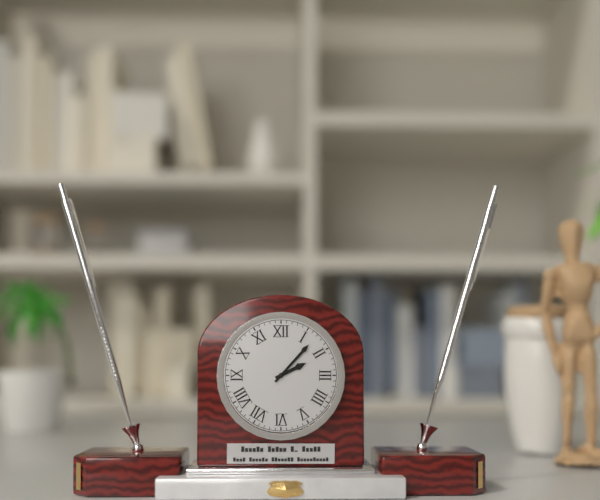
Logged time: h=2 m=7
